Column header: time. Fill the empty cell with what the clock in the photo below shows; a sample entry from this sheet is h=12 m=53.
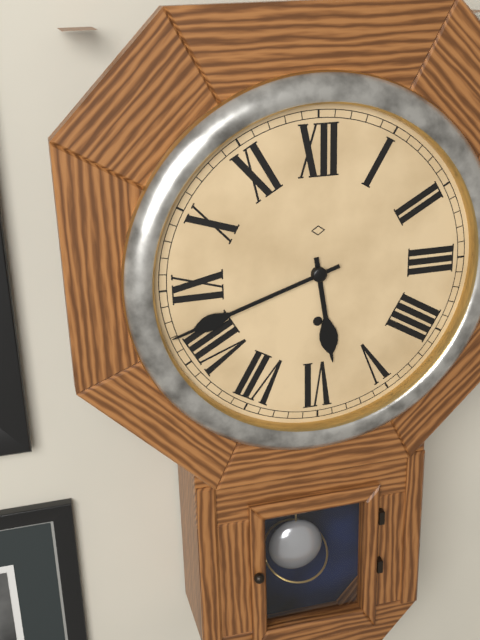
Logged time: h=5 m=42
